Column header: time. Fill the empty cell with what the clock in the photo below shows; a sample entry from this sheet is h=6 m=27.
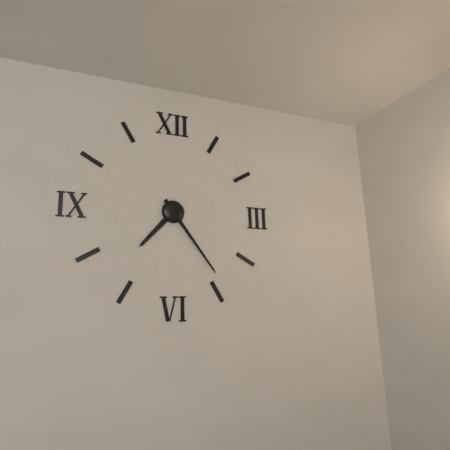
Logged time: h=7 m=24
